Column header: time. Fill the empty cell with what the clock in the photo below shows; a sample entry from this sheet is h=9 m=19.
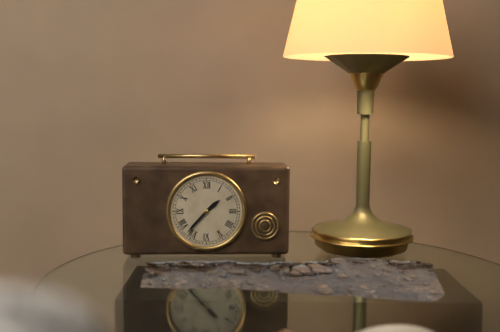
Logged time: h=1 m=37
